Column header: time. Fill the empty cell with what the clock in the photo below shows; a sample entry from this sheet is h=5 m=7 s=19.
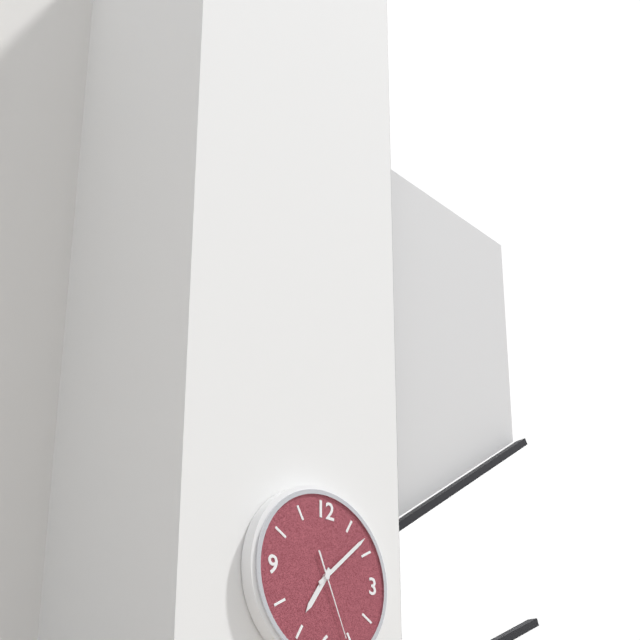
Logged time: h=7 m=8 s=26
